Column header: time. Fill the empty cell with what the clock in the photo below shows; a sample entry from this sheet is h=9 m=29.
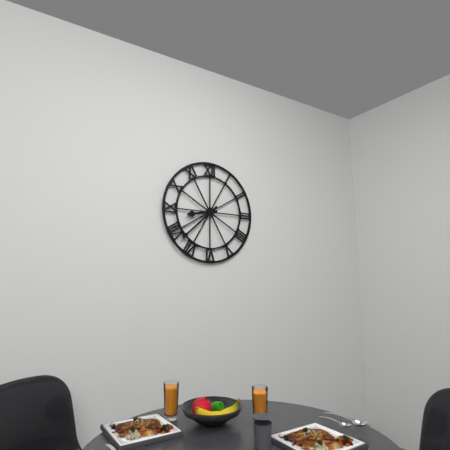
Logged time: h=8 m=38
